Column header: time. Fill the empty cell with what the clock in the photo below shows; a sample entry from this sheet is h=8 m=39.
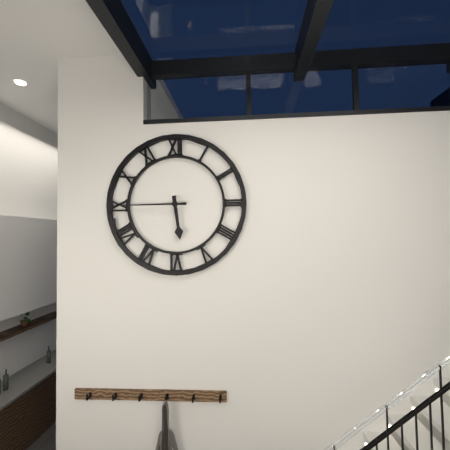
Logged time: h=5 m=45
